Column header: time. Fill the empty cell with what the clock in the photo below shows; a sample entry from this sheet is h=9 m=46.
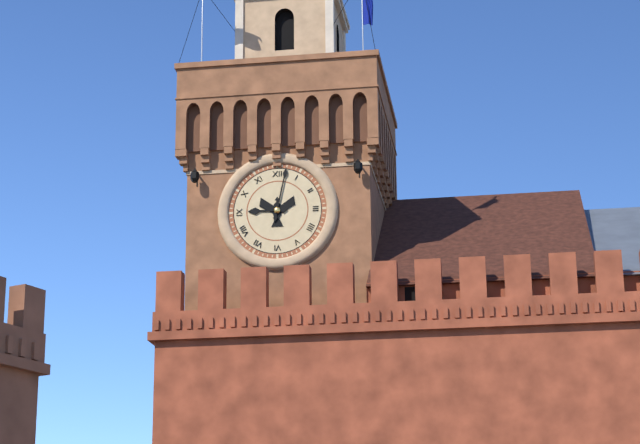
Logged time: h=9 m=2
